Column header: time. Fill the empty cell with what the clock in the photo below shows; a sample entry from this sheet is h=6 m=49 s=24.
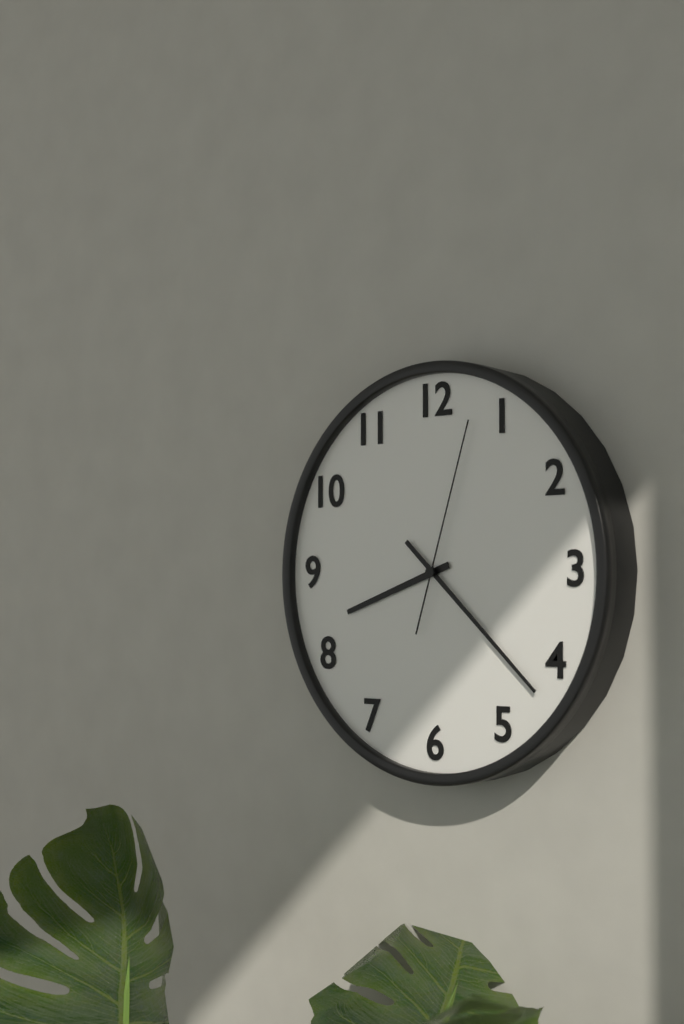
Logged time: h=8 m=22 s=3
